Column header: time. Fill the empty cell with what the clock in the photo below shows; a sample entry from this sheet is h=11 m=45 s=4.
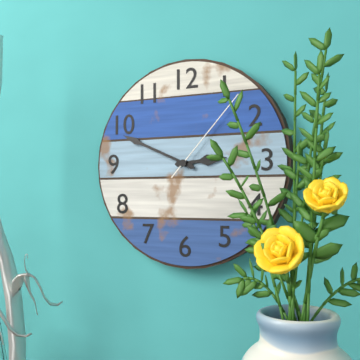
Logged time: h=2 m=49 s=7
